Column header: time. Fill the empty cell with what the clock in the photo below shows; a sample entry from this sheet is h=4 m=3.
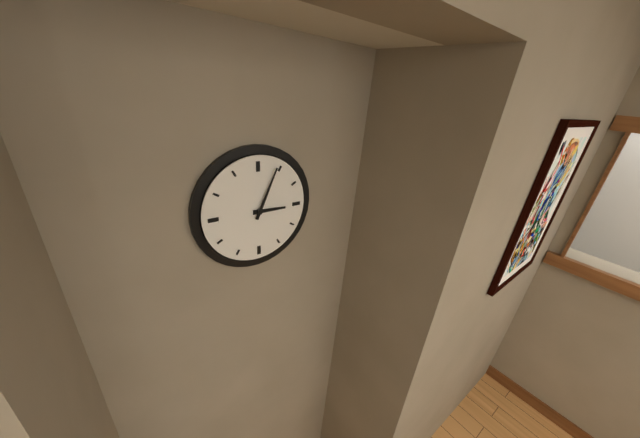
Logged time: h=3 m=4
